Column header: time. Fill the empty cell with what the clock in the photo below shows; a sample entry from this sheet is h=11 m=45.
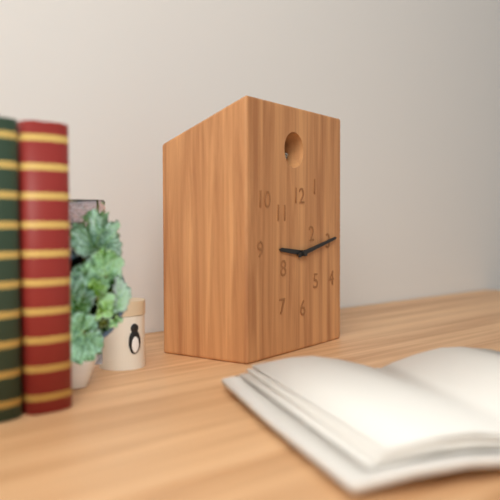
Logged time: h=9 m=13
